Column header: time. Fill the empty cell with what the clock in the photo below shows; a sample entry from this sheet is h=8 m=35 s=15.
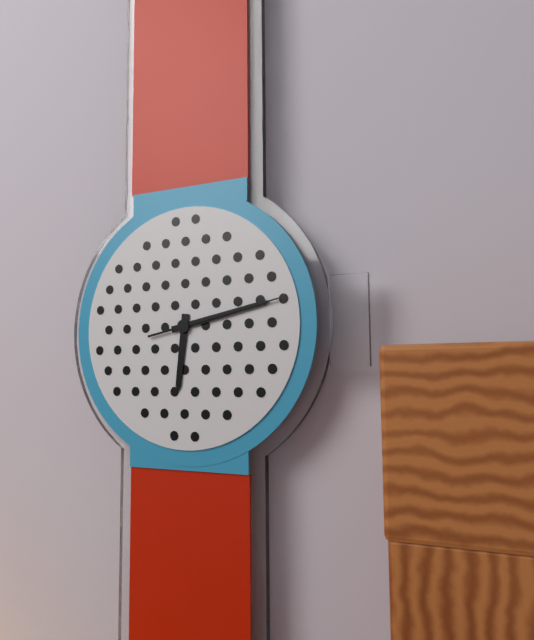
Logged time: h=6 m=13 s=13
